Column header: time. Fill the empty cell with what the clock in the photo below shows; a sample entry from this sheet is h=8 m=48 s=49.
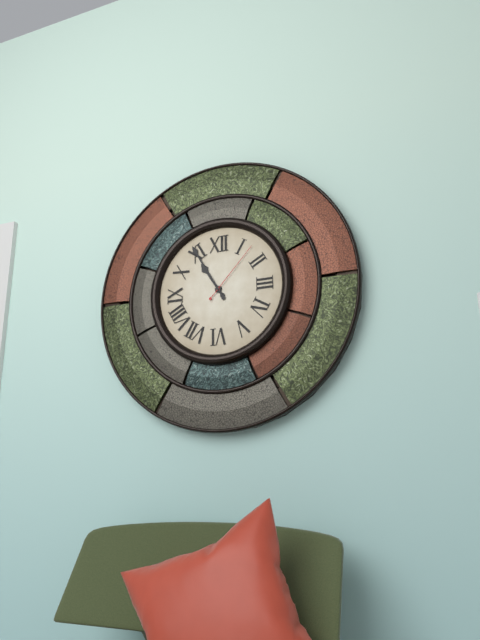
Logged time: h=10 m=55 s=7
